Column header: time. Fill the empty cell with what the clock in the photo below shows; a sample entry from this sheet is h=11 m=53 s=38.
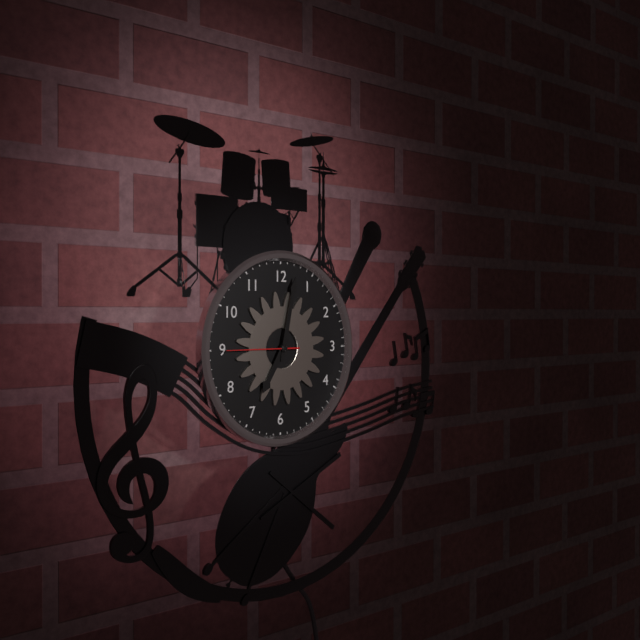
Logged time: h=7 m=2 s=45
